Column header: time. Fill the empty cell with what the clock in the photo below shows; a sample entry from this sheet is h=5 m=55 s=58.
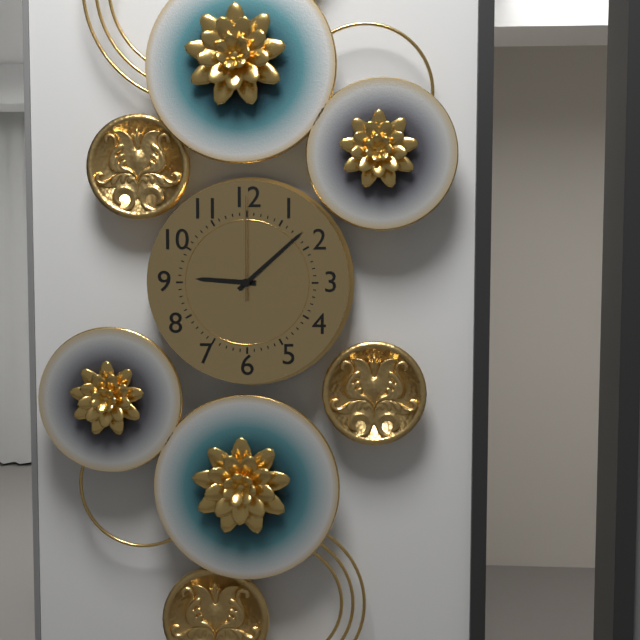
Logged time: h=9 m=8 s=0
